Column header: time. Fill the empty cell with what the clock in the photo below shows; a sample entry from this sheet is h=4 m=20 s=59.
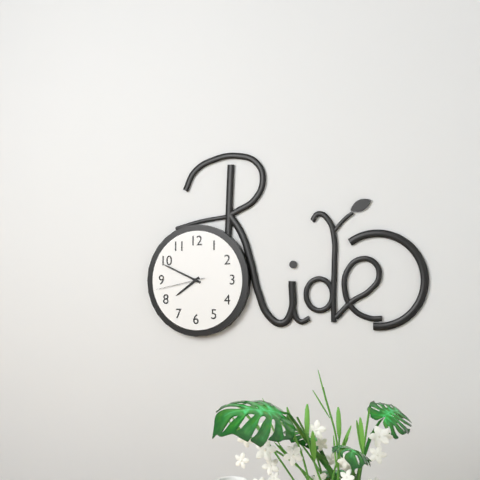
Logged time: h=7 m=49 s=43
